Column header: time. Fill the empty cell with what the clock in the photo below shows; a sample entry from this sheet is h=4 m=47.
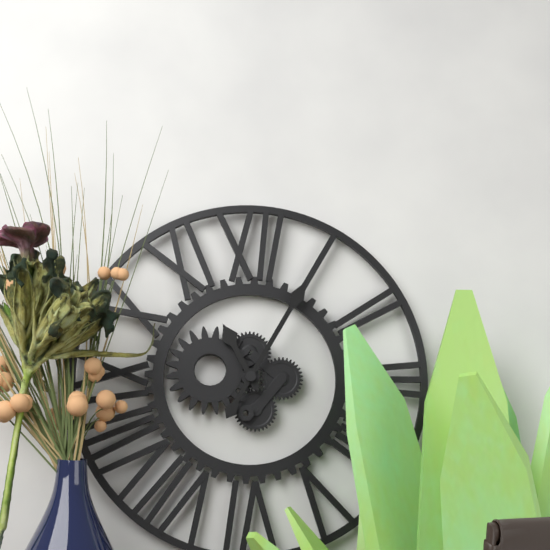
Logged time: h=11 m=5
